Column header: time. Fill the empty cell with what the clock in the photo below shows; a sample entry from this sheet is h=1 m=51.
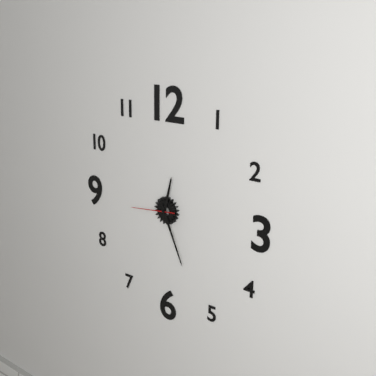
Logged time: h=12 m=26
